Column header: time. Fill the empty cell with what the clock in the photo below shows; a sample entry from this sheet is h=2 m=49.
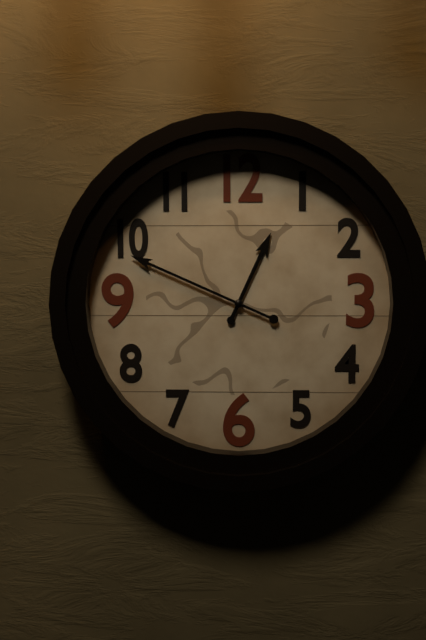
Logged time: h=12 m=49
